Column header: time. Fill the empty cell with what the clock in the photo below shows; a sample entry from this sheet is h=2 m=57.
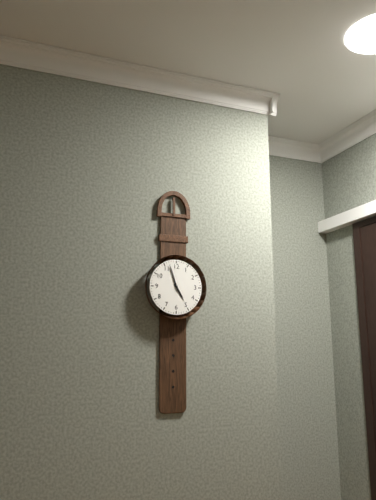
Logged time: h=4 m=57
